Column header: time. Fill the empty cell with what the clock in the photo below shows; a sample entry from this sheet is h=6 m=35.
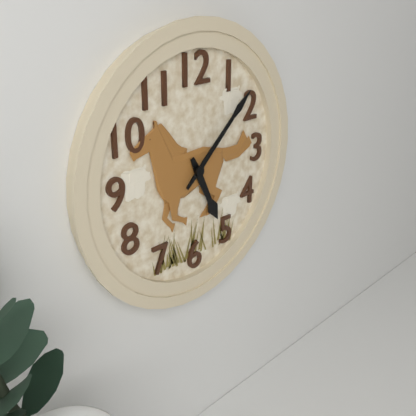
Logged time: h=5 m=8
